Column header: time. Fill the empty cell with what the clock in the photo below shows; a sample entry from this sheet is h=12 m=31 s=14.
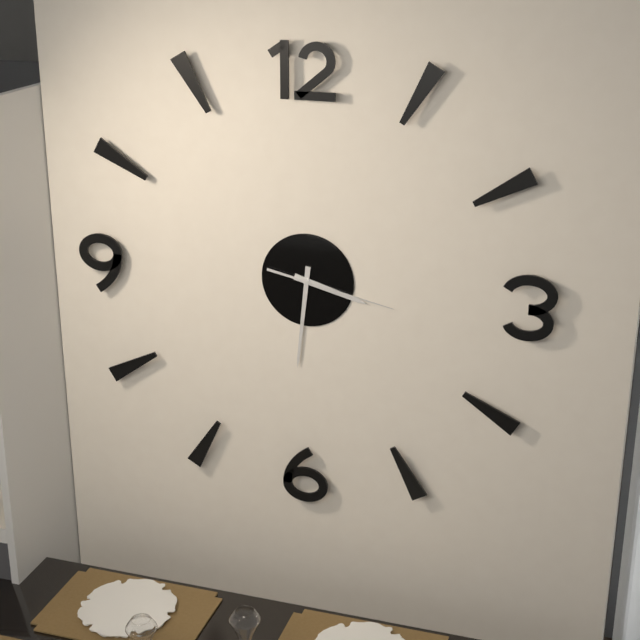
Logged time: h=3 m=31 s=17
